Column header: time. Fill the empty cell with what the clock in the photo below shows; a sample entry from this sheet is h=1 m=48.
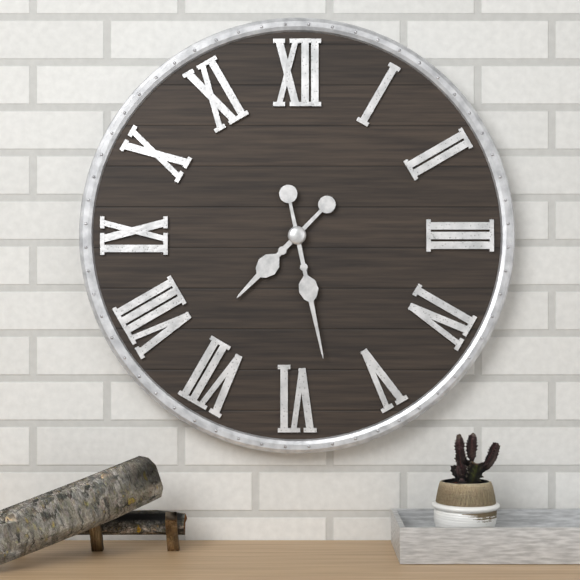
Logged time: h=7 m=28
